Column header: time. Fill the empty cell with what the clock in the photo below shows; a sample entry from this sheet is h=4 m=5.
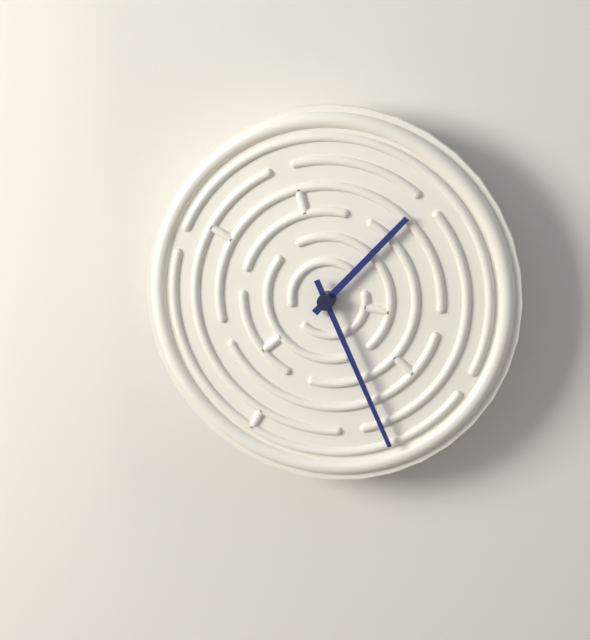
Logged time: h=1 m=26
